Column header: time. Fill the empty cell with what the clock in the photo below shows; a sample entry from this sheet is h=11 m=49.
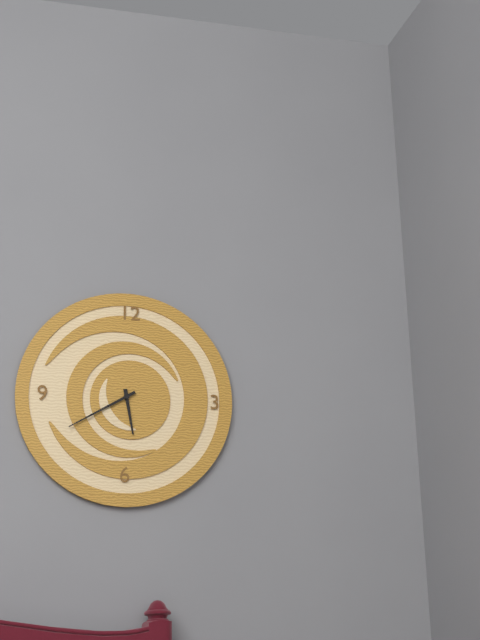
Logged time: h=5 m=40
